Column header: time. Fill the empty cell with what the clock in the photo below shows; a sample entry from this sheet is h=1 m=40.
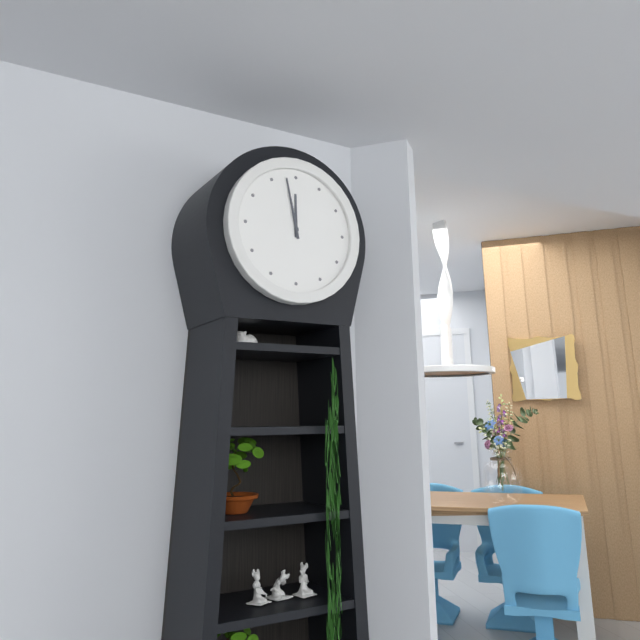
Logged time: h=11 m=58
